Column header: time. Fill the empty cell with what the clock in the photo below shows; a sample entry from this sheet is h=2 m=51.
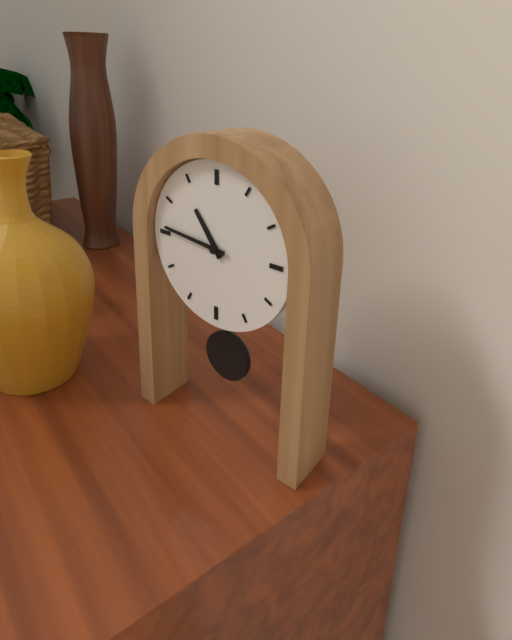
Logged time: h=10 m=46
